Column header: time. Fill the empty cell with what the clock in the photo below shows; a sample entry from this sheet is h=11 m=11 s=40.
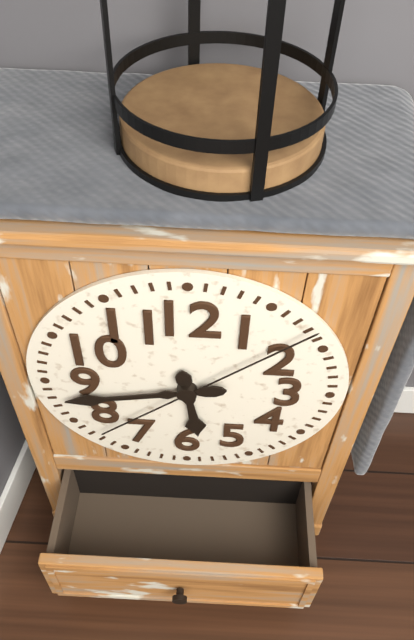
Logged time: h=5 m=43 s=8
